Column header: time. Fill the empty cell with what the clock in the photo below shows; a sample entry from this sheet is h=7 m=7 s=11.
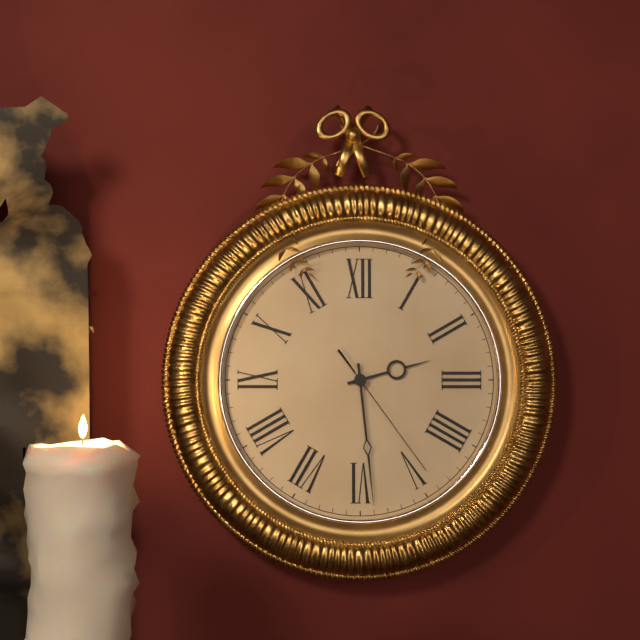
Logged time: h=2 m=29 s=24
